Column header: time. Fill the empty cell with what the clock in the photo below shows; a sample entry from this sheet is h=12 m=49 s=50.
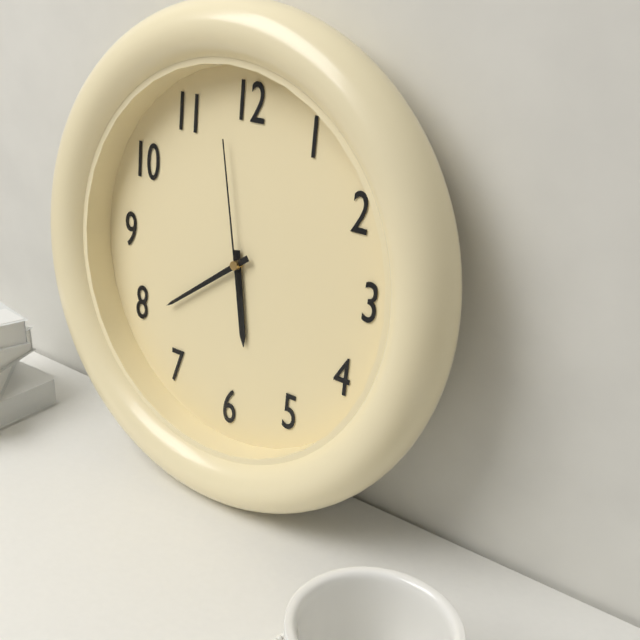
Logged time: h=5 m=39 s=58
